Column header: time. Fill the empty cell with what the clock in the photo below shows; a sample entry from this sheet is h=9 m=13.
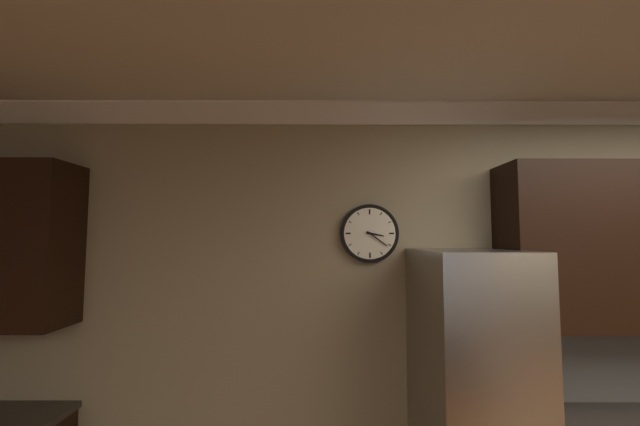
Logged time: h=3 m=21
